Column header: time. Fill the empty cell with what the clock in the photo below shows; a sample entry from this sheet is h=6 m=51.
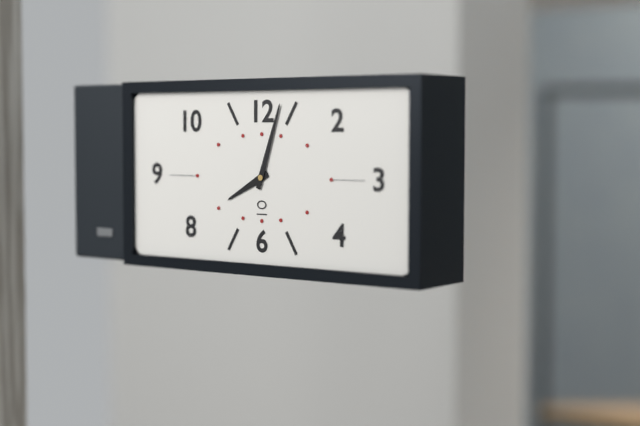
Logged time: h=8 m=3
